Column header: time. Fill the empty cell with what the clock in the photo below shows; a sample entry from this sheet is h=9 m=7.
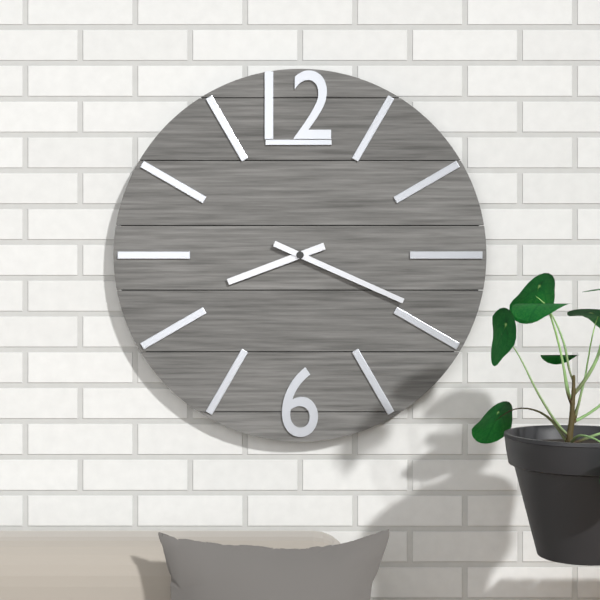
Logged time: h=8 m=19
